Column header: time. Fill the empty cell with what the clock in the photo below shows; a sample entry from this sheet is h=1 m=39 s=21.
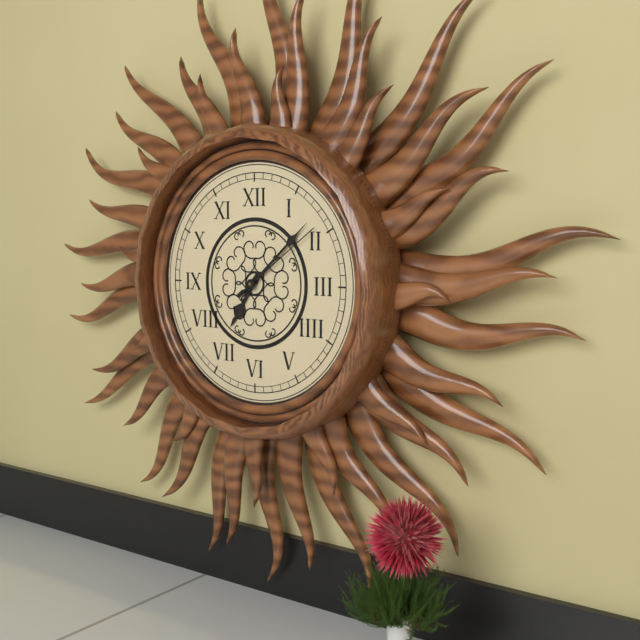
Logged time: h=7 m=8 s=9
